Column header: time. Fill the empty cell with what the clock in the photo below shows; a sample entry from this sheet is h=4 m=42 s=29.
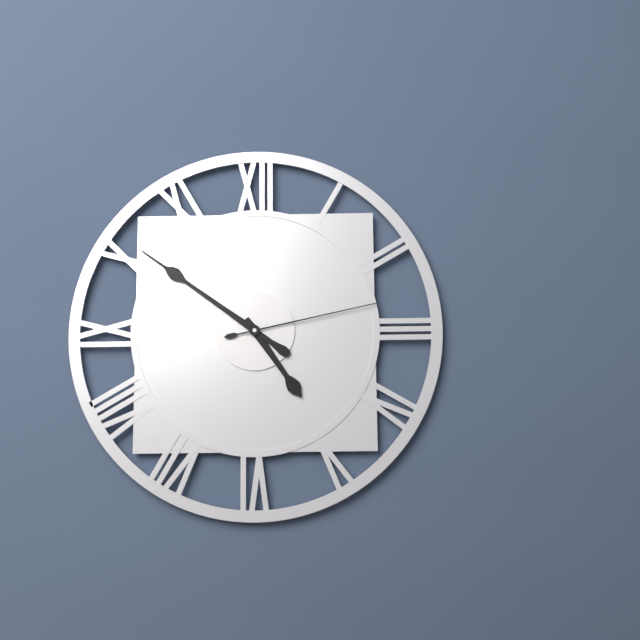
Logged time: h=4 m=51 s=13
